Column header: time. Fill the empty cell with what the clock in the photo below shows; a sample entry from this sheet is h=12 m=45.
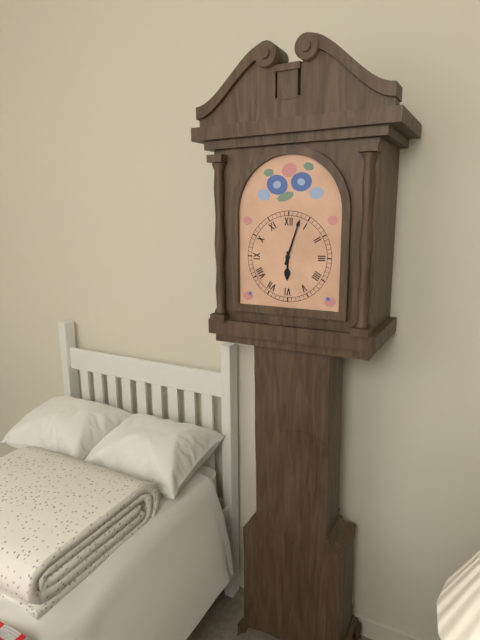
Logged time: h=6 m=3
